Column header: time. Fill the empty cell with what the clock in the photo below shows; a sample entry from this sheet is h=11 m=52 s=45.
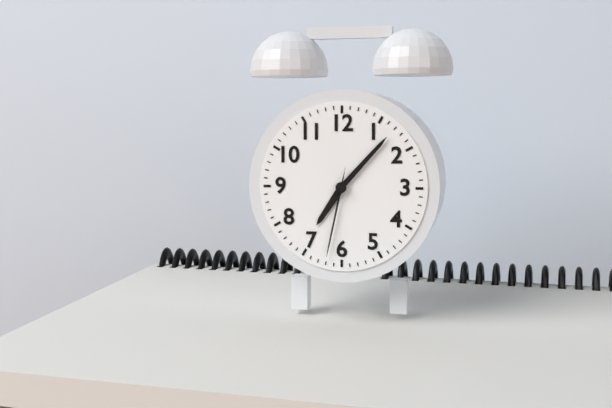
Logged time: h=7 m=7 s=32
